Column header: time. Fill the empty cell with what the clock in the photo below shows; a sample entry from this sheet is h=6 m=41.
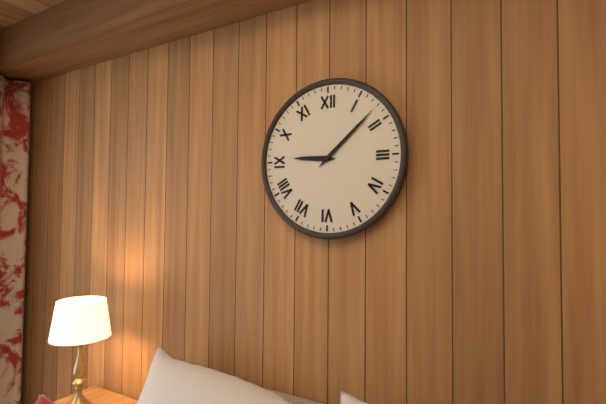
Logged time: h=9 m=8
